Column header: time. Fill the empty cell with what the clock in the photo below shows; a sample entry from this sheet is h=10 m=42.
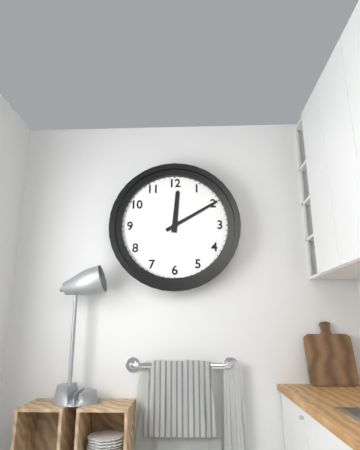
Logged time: h=12 m=10
